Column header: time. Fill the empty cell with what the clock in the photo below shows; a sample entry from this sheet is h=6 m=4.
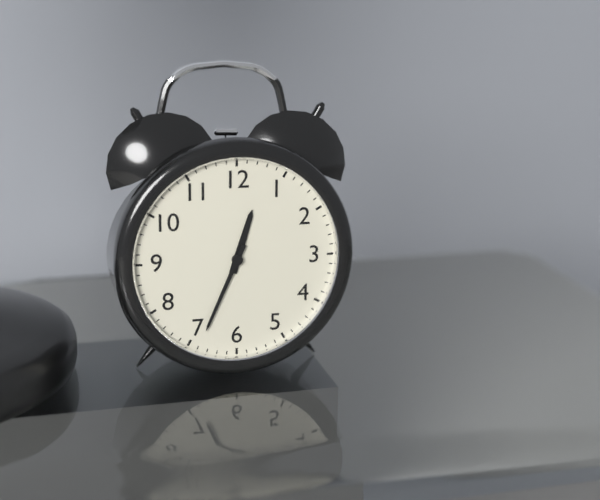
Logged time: h=12 m=34
